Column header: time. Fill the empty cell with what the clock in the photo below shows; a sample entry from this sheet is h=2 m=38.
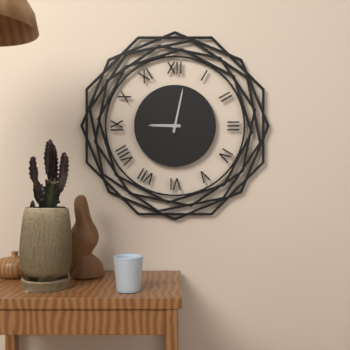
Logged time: h=9 m=2
